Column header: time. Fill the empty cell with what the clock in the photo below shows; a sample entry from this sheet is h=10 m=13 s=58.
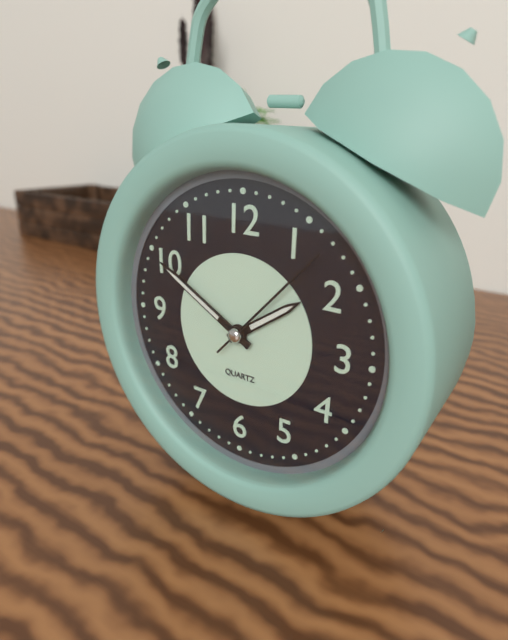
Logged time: h=1 m=50 s=7
